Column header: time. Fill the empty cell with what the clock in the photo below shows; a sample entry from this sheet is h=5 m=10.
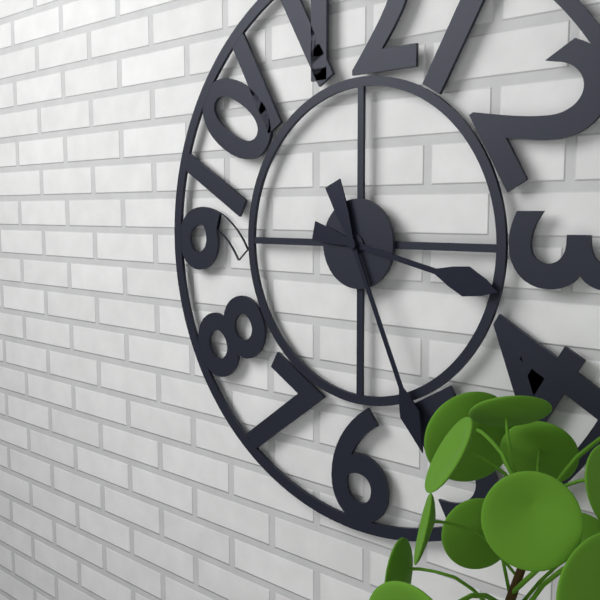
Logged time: h=3 m=26
